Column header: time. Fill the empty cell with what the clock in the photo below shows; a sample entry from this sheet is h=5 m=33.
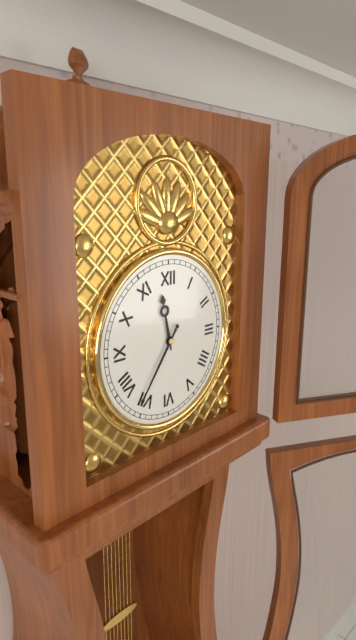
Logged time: h=11 m=36
